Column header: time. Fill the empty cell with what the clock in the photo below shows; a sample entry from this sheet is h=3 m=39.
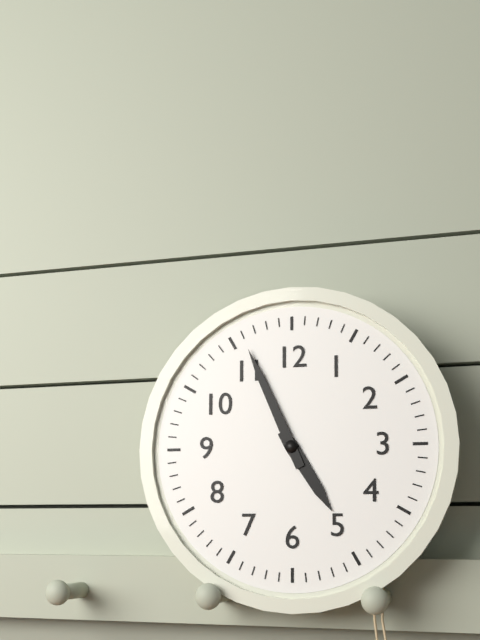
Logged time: h=4 m=56
